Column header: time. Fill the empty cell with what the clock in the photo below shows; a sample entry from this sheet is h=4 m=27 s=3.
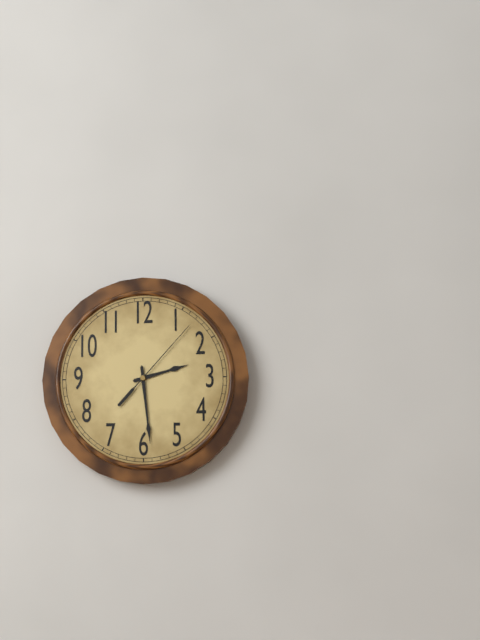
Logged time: h=2 m=29 s=7
